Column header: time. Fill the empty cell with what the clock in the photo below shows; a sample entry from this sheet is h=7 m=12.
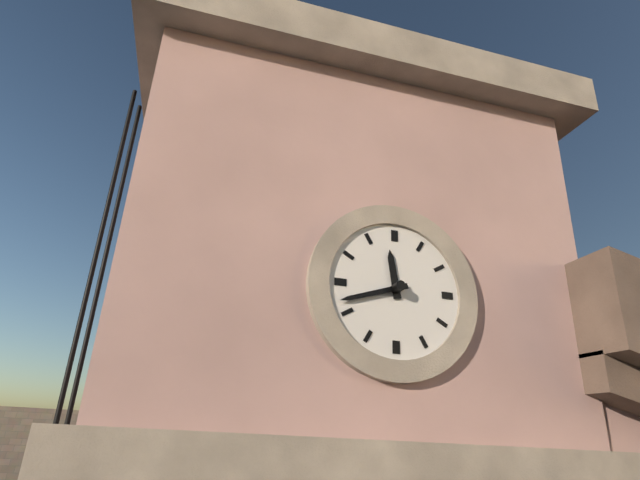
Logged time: h=11 m=42
